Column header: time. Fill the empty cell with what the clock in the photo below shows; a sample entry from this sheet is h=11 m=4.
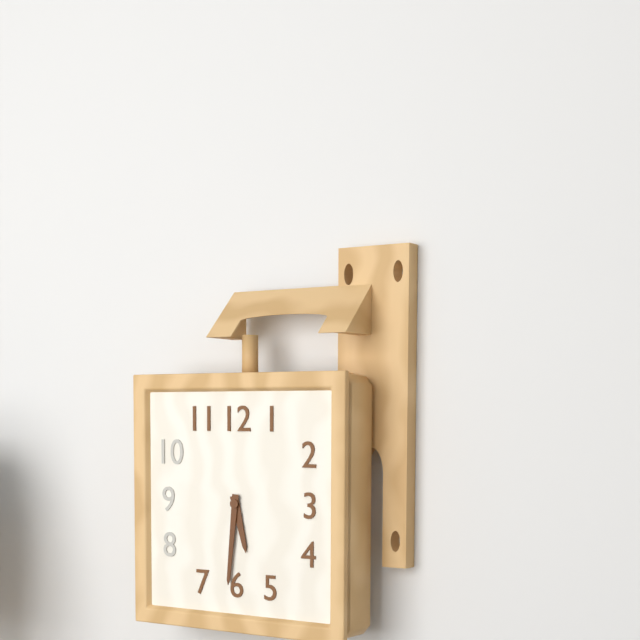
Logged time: h=5 m=31
